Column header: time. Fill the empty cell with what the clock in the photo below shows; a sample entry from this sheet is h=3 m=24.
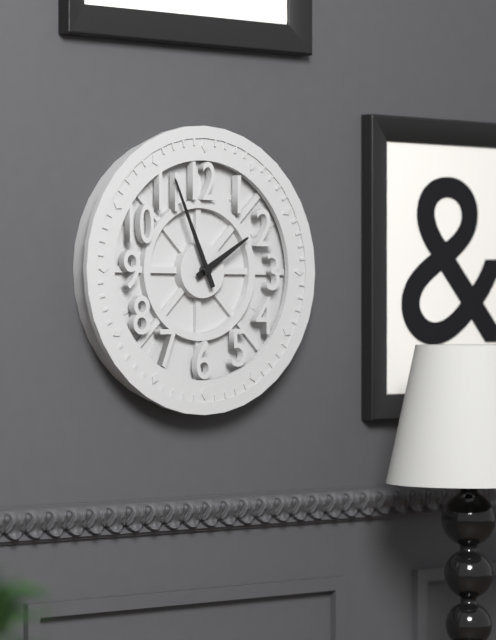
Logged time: h=1 m=56
